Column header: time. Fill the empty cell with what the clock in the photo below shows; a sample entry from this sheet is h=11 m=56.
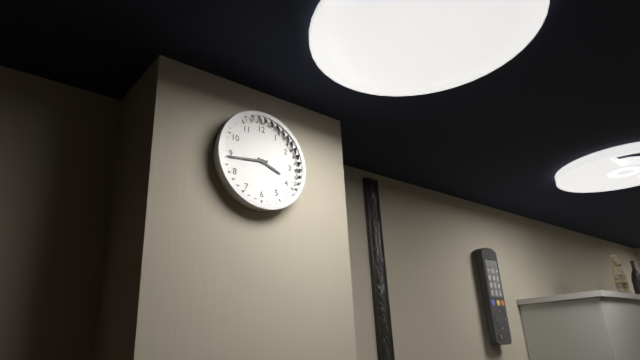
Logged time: h=3 m=44
